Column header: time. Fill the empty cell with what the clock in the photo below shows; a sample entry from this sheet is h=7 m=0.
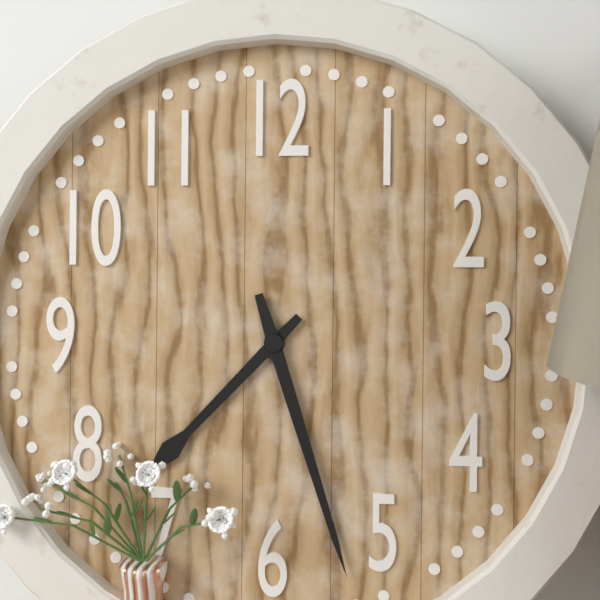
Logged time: h=7 m=27
